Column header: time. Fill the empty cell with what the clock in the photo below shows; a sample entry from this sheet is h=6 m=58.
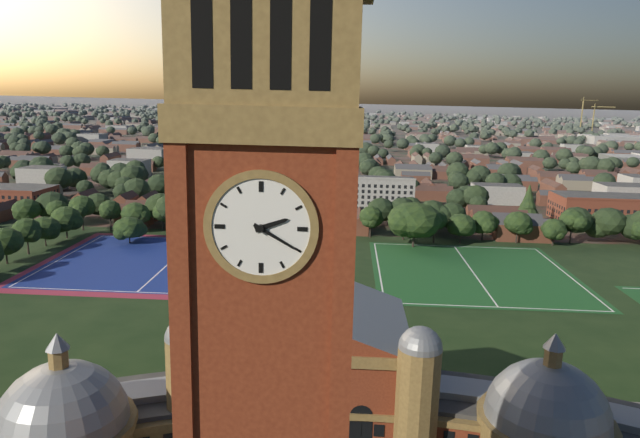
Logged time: h=2 m=20
